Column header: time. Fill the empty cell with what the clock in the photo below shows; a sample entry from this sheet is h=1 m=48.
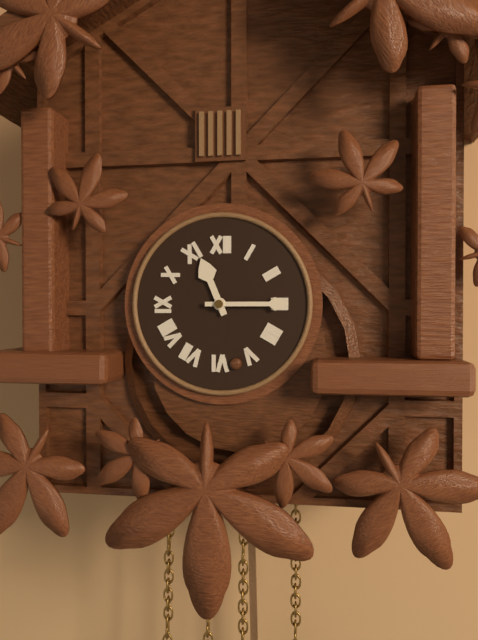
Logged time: h=11 m=15
